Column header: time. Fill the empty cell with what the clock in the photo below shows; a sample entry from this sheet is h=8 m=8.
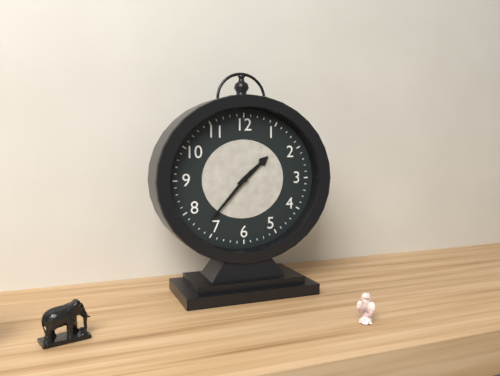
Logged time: h=1 m=37
